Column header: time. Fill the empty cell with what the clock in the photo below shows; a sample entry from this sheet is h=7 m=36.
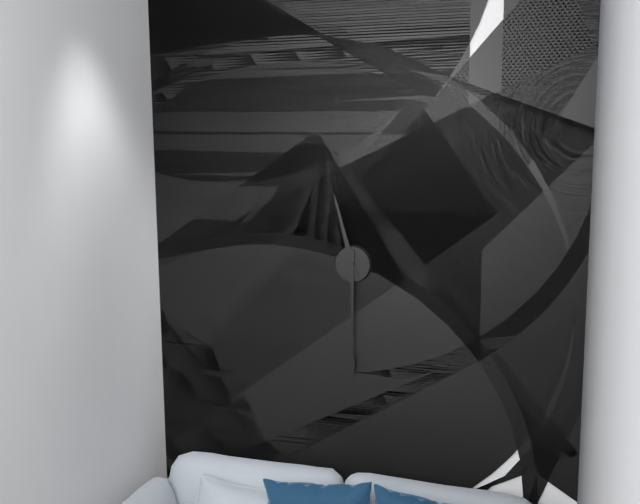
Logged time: h=11 m=30
